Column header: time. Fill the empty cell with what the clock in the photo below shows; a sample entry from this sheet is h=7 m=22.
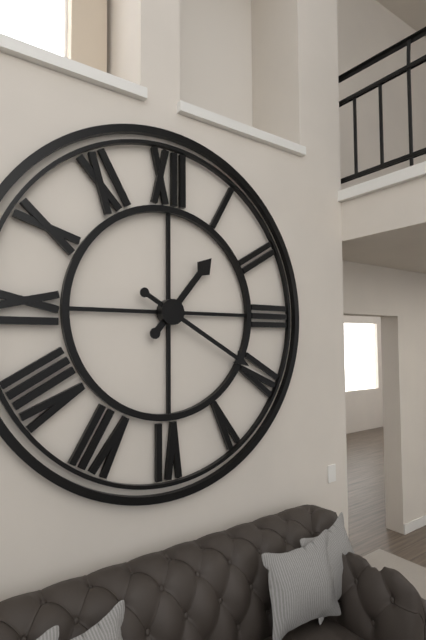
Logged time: h=1 m=20
